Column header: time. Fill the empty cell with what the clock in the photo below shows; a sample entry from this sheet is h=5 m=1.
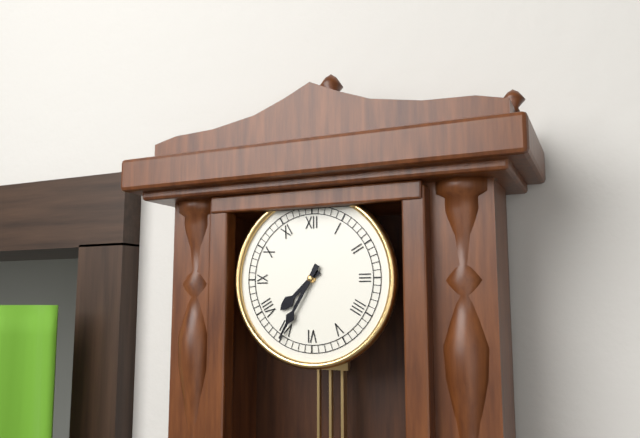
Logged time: h=7 m=35
